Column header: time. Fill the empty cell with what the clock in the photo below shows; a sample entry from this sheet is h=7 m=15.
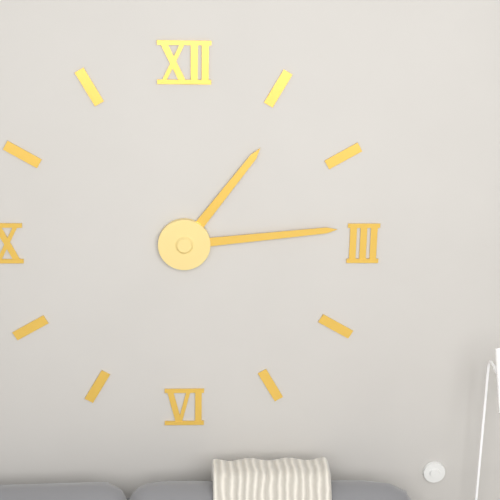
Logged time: h=1 m=14
